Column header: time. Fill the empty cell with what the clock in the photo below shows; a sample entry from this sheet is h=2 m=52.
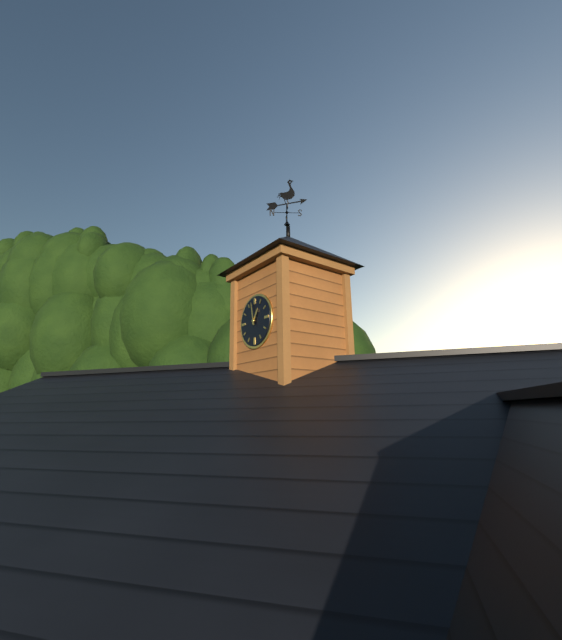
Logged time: h=12 m=58
